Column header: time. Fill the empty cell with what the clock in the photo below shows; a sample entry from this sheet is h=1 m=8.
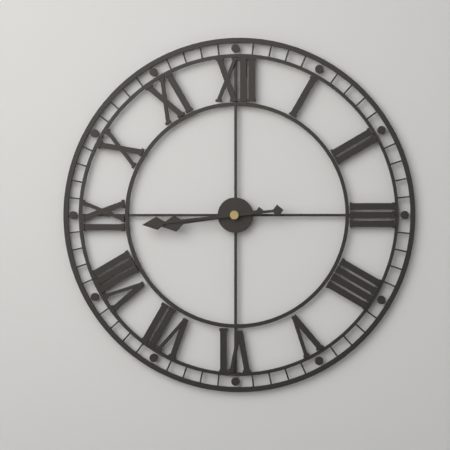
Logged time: h=8 m=44
